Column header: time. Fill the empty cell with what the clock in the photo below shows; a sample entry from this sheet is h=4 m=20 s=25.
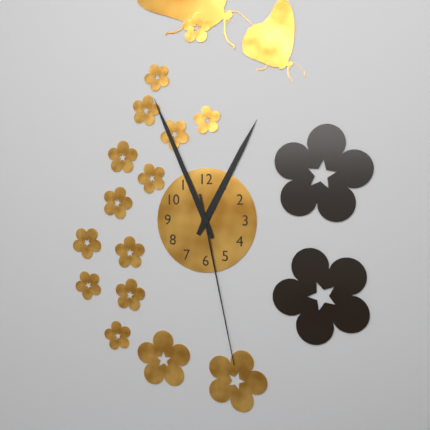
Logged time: h=12 m=56 s=28
